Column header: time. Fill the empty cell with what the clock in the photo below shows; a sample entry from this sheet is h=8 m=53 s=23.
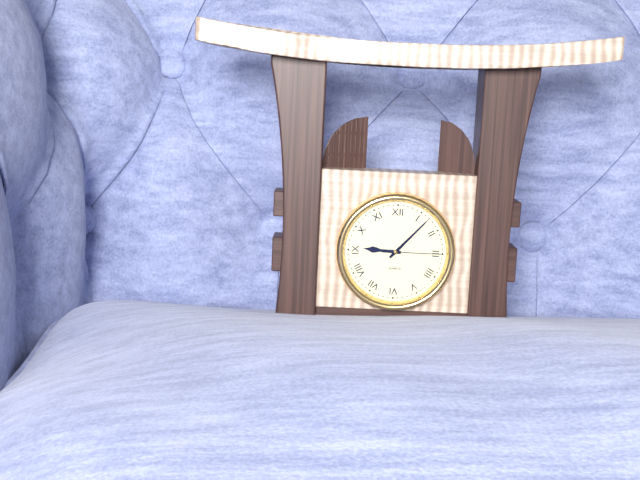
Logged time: h=9 m=7 s=15
